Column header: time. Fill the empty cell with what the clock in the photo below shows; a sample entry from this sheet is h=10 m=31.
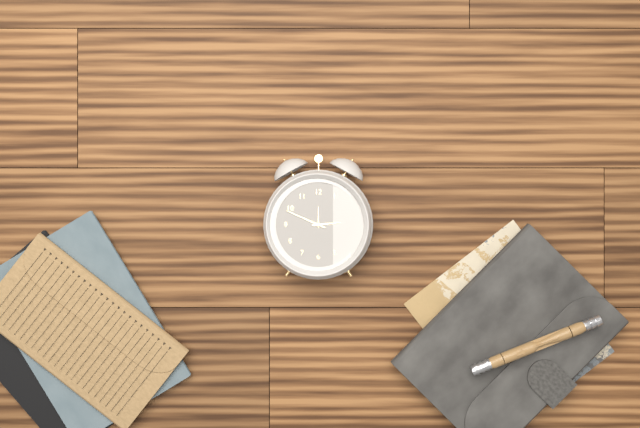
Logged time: h=2 m=49
